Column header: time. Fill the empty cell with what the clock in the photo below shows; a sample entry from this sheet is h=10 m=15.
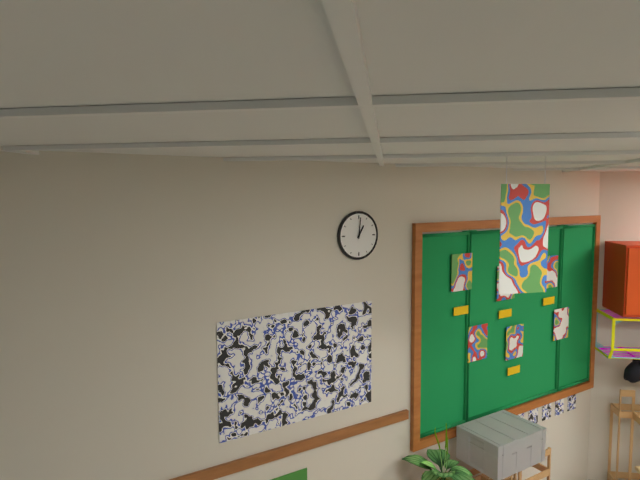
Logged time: h=1 m=1
